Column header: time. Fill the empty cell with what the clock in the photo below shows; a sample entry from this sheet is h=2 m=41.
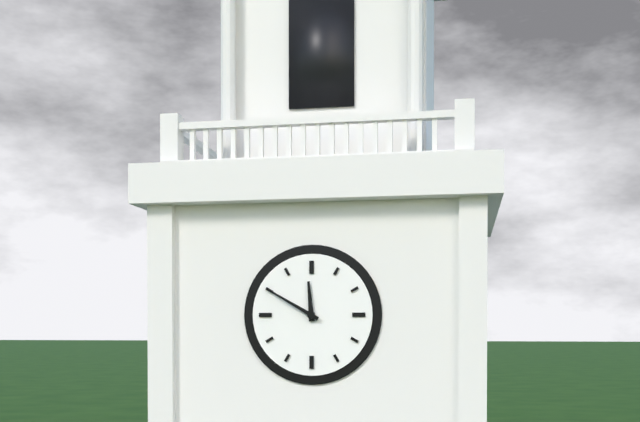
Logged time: h=11 m=50
